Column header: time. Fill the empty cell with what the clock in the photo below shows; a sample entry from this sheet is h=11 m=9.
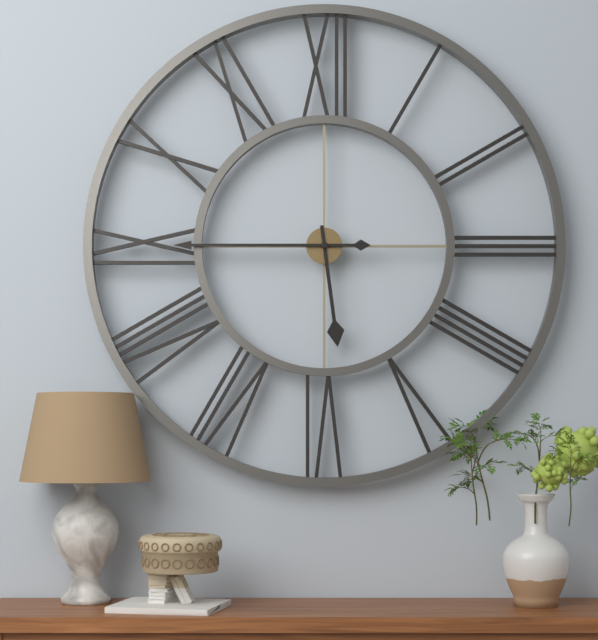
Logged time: h=5 m=45
